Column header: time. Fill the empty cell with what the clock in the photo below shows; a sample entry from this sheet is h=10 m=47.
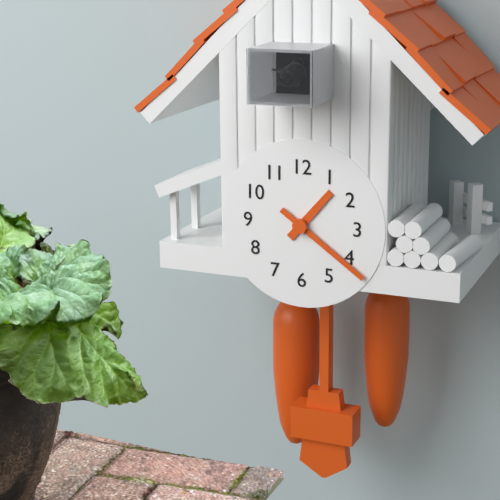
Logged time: h=1 m=21
